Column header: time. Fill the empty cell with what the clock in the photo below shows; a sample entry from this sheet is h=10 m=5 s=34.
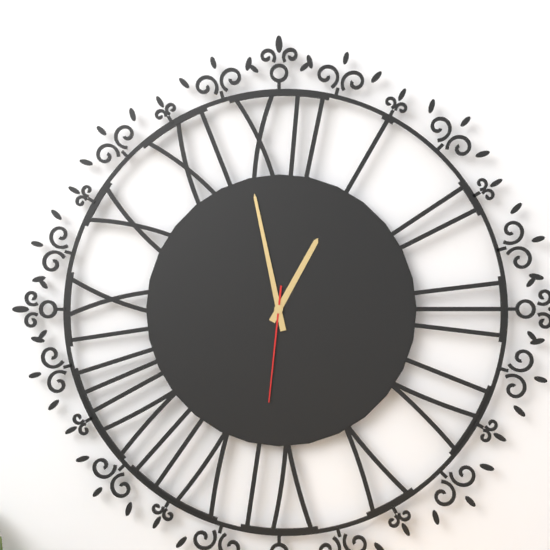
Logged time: h=12 m=58 s=31
